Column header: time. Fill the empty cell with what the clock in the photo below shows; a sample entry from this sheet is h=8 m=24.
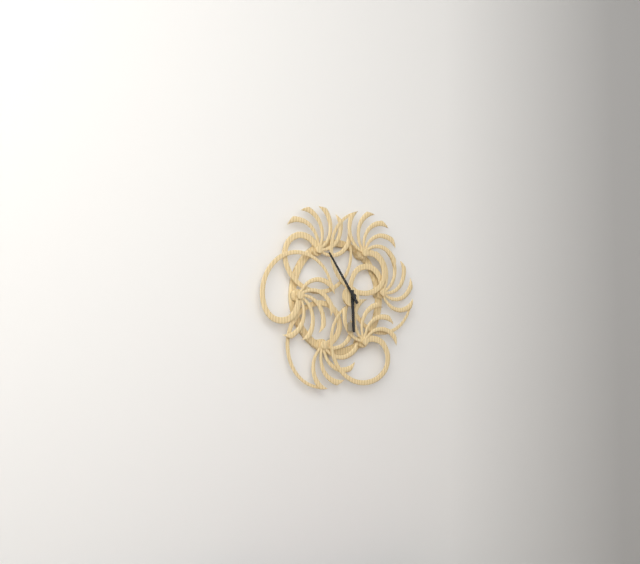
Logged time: h=5 m=54
